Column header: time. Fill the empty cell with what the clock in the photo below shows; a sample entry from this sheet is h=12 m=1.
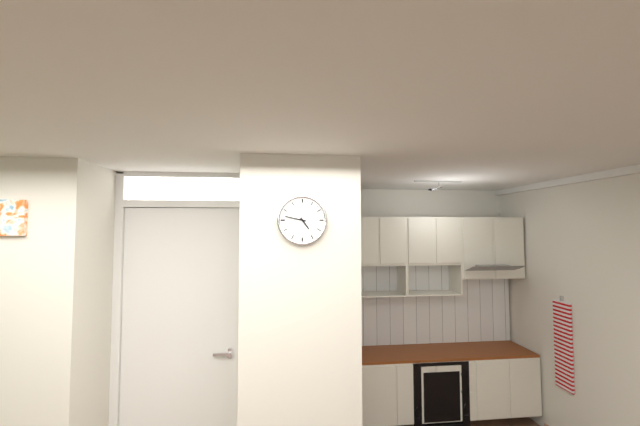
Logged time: h=4 m=47
